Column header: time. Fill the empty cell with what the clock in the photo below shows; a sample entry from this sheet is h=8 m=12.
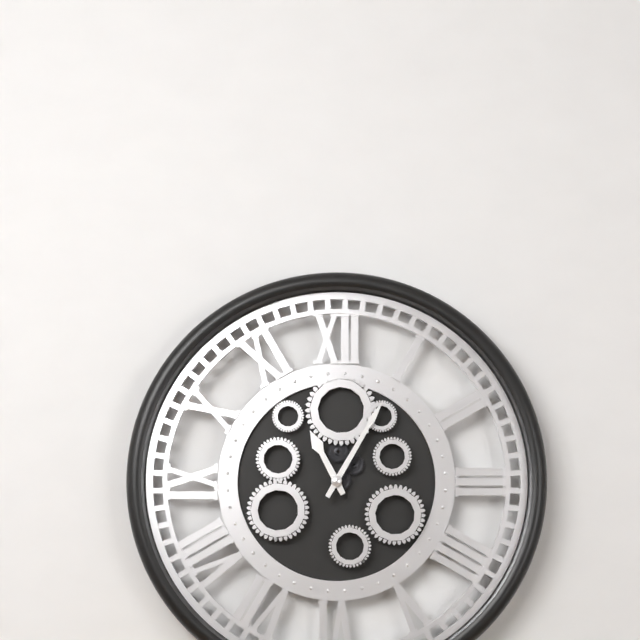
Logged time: h=11 m=5
